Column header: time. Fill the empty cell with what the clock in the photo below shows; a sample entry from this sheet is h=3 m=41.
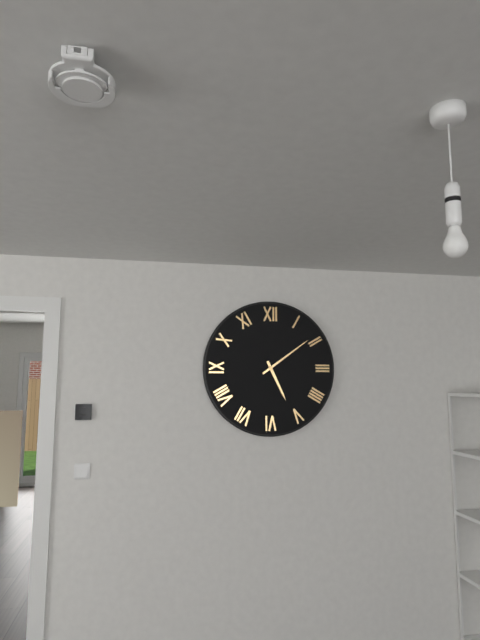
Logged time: h=5 m=9
